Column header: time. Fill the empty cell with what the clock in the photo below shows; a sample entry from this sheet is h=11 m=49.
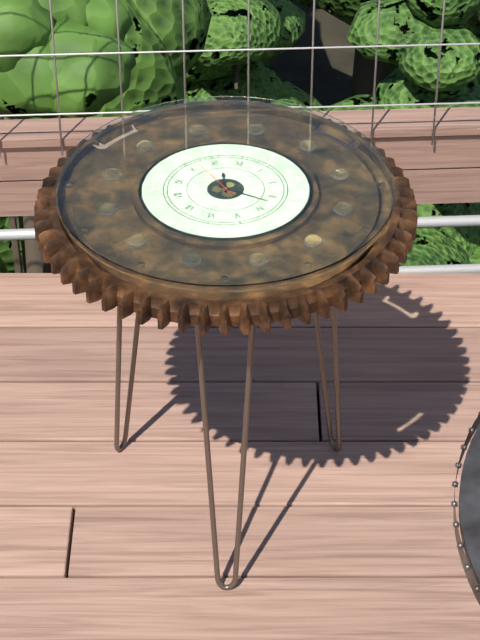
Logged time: h=11 m=17
